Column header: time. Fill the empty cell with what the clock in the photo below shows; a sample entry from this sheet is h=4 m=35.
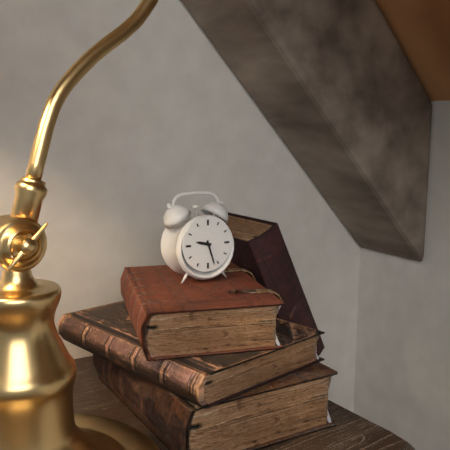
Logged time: h=9 m=27
